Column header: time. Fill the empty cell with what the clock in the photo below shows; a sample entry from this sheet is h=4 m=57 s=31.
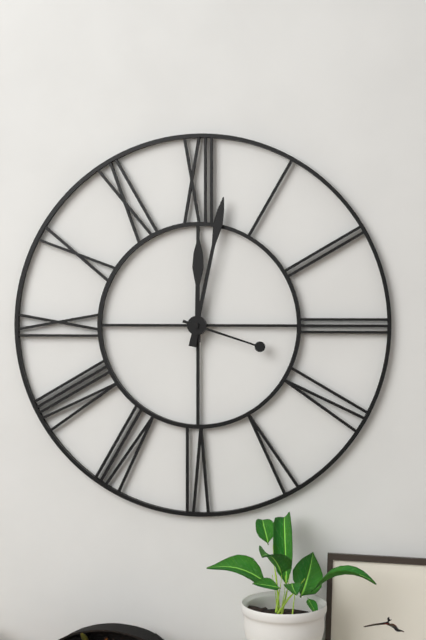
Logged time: h=12 m=2 s=18
